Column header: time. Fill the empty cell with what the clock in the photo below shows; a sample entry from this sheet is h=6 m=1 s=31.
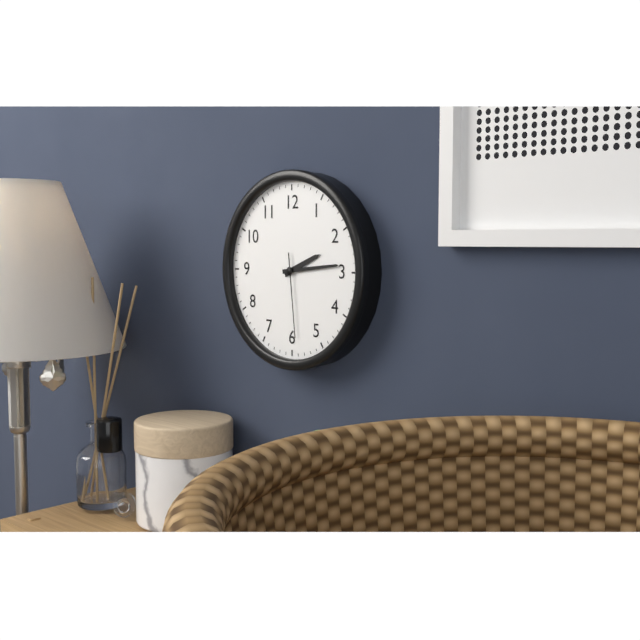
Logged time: h=2 m=14 s=29
